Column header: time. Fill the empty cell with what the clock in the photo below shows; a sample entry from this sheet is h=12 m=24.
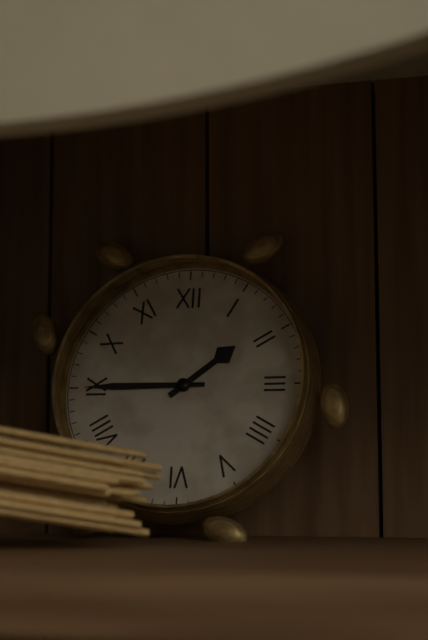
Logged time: h=1 m=45
